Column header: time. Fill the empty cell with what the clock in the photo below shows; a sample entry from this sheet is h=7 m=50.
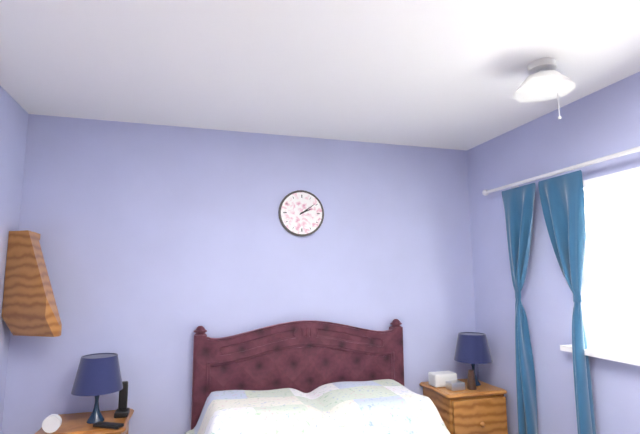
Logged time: h=2 m=9
